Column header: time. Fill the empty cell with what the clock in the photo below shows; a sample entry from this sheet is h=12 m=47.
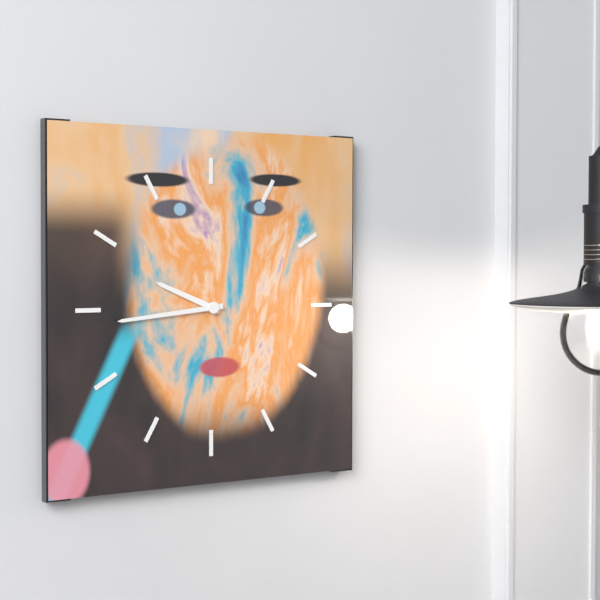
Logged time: h=9 m=44
